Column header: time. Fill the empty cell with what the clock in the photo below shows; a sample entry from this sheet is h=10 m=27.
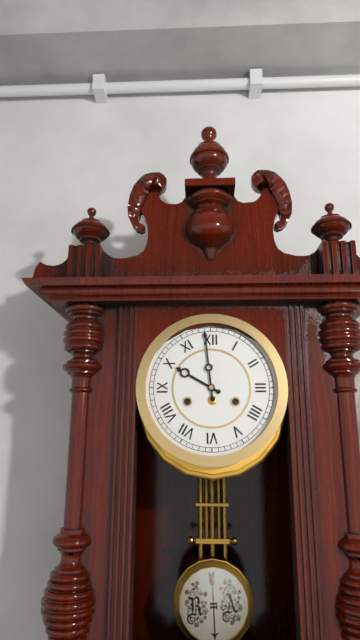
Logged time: h=9 m=59
